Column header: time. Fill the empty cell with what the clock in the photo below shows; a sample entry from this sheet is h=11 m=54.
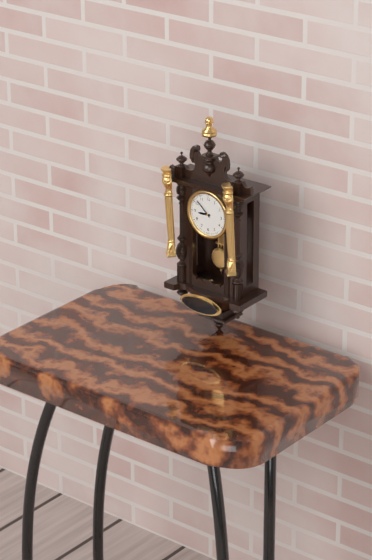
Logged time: h=8 m=52
